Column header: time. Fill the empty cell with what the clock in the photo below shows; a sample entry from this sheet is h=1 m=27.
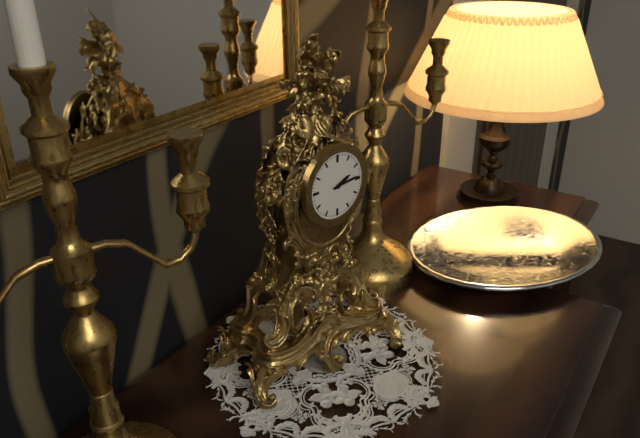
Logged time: h=2 m=14
